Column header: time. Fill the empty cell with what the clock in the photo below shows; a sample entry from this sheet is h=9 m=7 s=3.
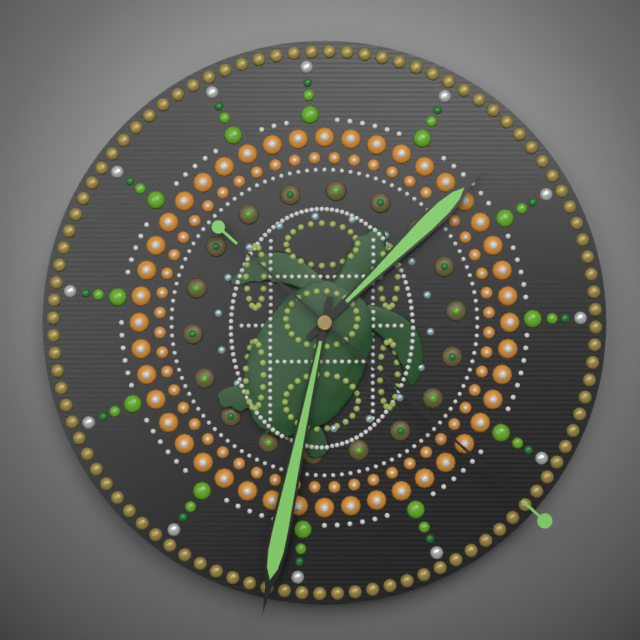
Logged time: h=1 m=32 s=22
